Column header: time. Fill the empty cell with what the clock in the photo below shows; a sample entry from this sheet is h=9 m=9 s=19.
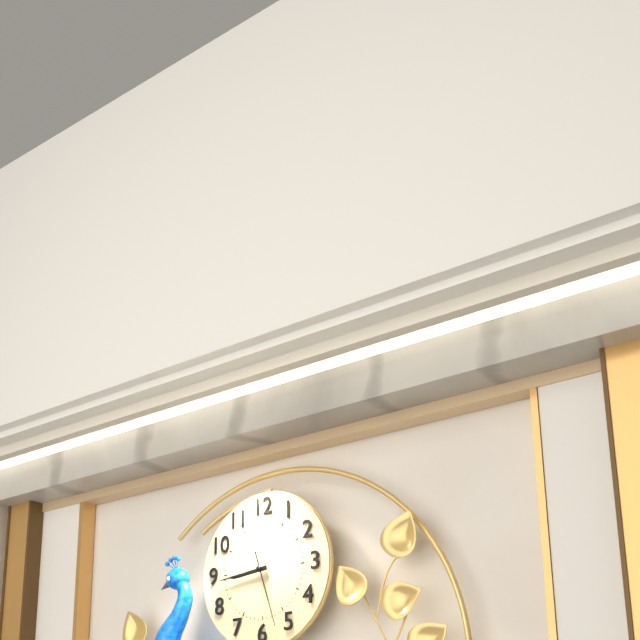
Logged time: h=8 m=44 s=27
